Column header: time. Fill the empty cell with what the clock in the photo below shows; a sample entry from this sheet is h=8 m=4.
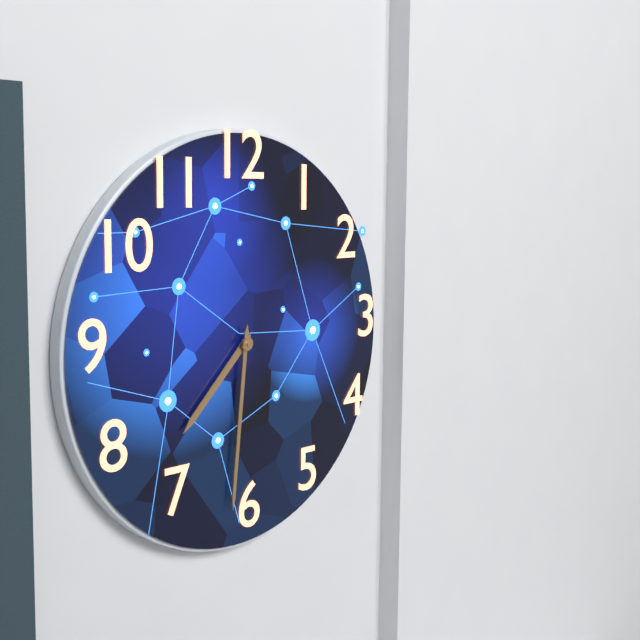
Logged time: h=7 m=31
